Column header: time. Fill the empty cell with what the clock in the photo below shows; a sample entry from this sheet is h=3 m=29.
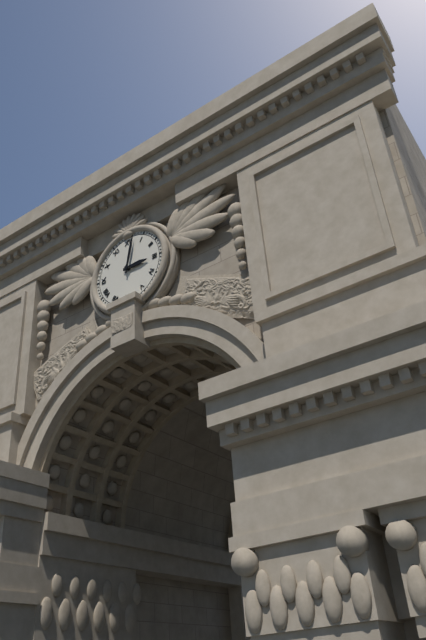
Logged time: h=3 m=2
